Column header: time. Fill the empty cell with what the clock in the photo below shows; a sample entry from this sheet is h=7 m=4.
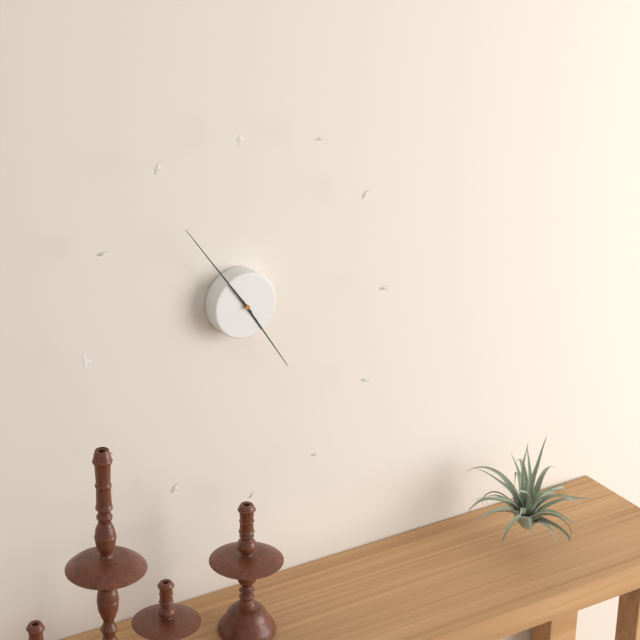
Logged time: h=4 m=54
